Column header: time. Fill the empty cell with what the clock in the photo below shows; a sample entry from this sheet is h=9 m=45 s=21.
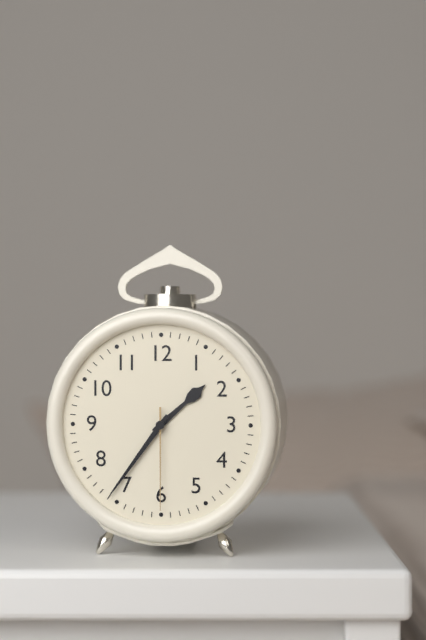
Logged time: h=1 m=36 s=30
